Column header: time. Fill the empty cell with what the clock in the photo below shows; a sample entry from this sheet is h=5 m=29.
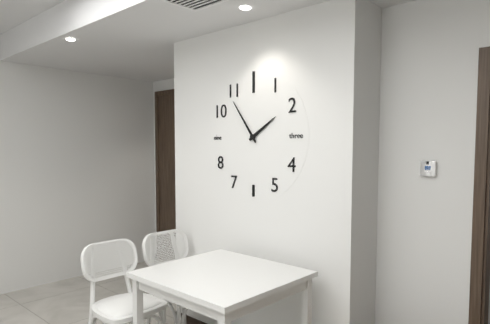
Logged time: h=1 m=54
